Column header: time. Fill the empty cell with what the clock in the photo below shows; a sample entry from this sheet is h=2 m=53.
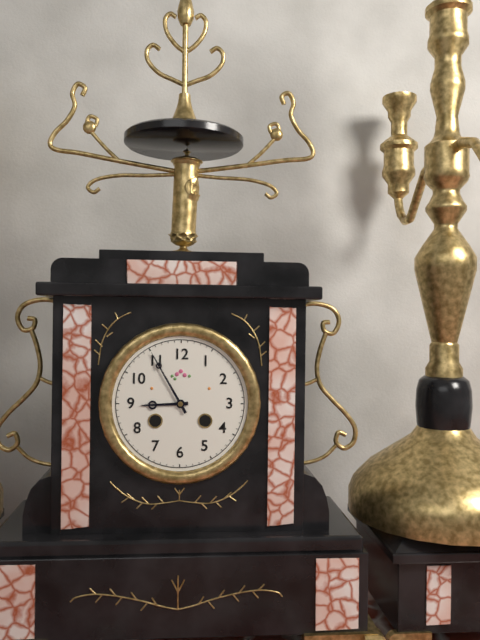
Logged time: h=8 m=55
